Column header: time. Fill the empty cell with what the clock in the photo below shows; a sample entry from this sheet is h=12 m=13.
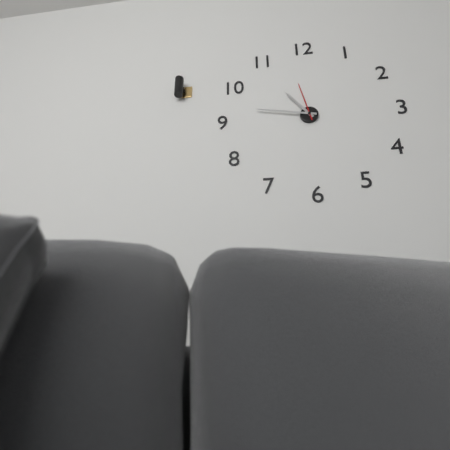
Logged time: h=10 m=47
